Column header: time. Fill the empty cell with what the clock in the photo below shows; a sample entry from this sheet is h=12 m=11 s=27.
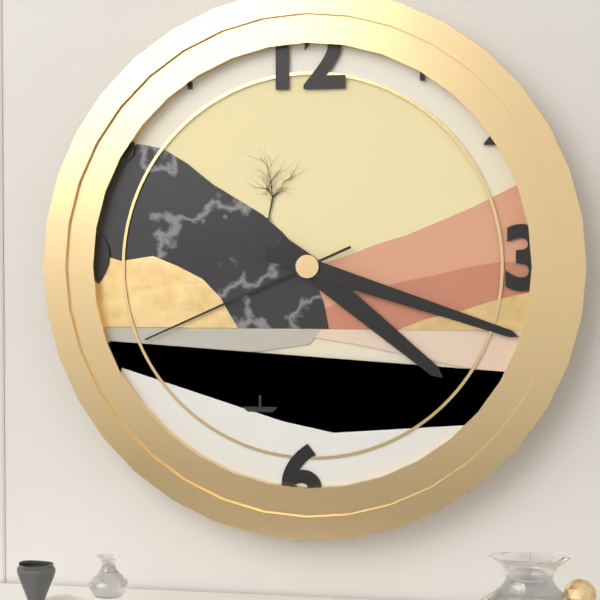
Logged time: h=4 m=18 s=41
